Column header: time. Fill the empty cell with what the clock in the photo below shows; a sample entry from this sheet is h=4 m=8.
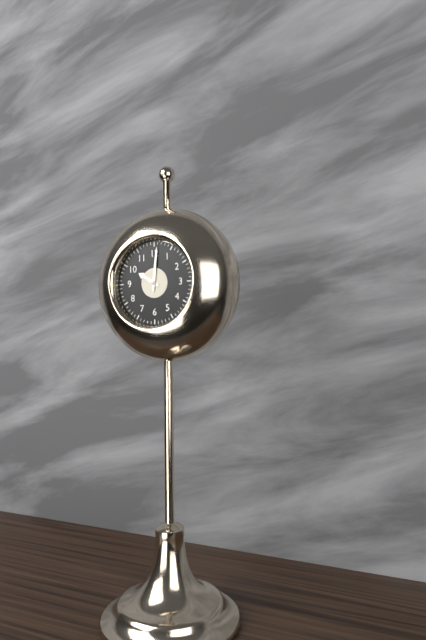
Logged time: h=10 m=1
